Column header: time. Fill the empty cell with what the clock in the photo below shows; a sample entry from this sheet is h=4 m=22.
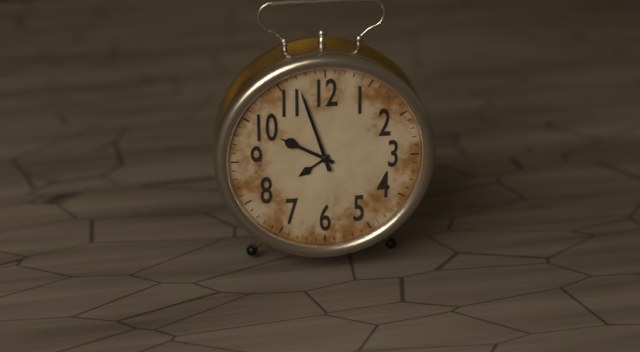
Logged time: h=9 m=57
